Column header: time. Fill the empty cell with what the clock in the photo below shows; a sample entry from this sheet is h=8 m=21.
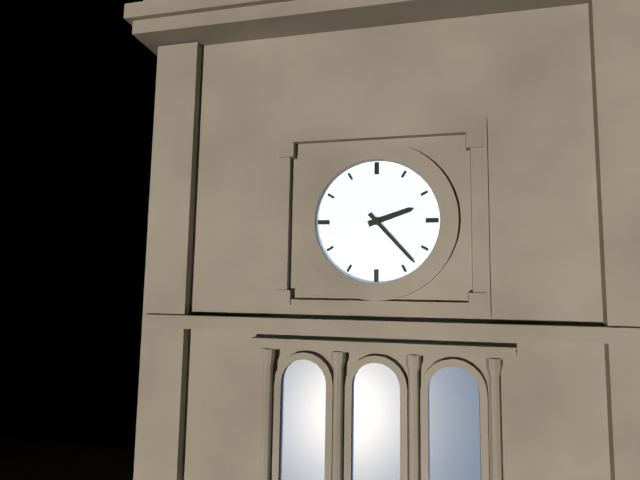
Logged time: h=2 m=23
